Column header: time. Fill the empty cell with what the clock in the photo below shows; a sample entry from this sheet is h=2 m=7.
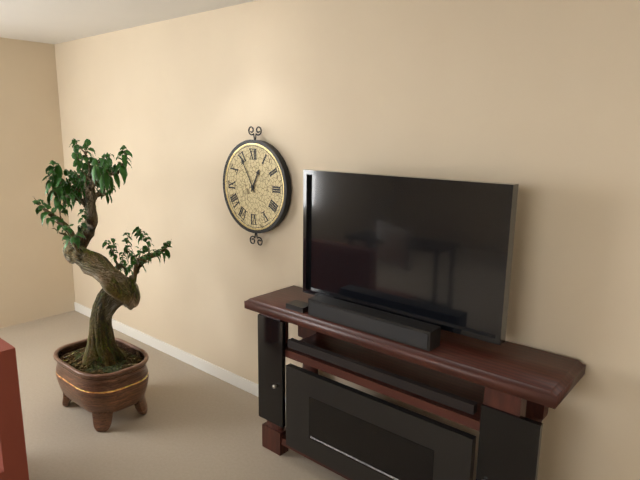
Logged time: h=12 m=55
